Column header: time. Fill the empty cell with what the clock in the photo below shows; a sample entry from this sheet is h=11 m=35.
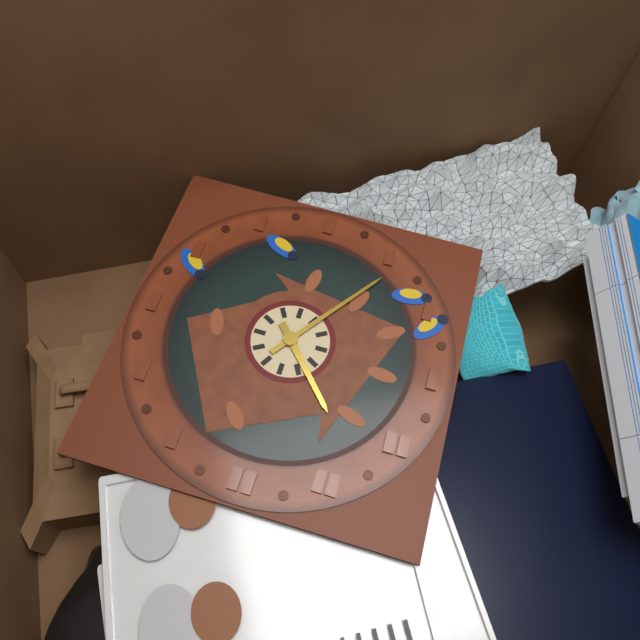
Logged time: h=10 m=36
